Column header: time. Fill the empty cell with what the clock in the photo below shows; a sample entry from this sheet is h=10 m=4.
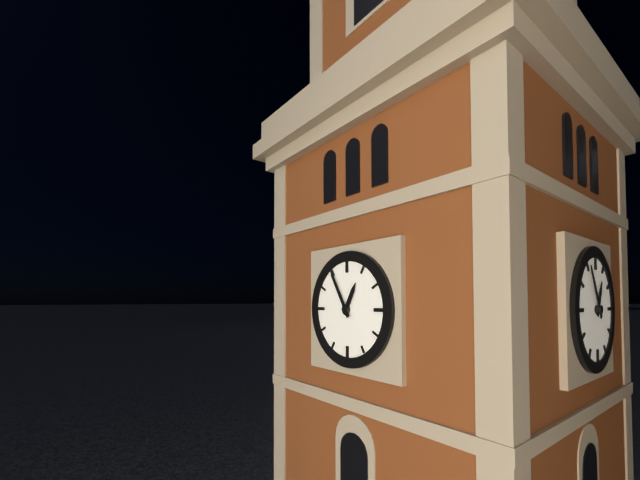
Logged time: h=12 m=55
